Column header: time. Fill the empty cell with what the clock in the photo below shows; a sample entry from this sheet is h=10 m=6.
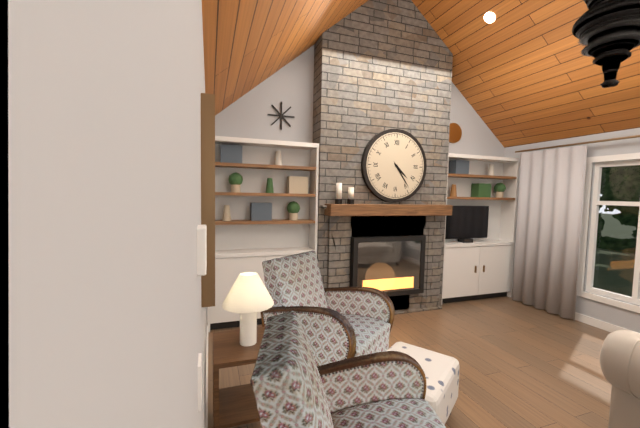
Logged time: h=4 m=24
